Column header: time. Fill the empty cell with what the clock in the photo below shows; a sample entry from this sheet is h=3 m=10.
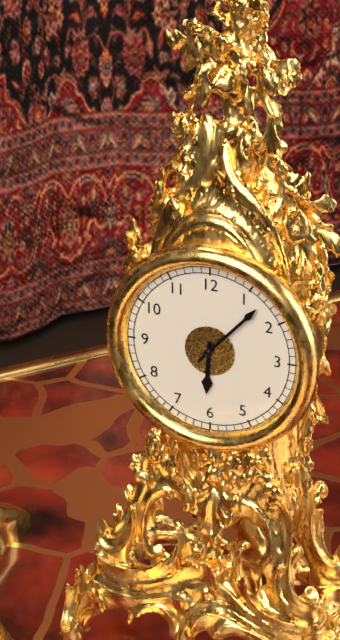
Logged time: h=6 m=7
